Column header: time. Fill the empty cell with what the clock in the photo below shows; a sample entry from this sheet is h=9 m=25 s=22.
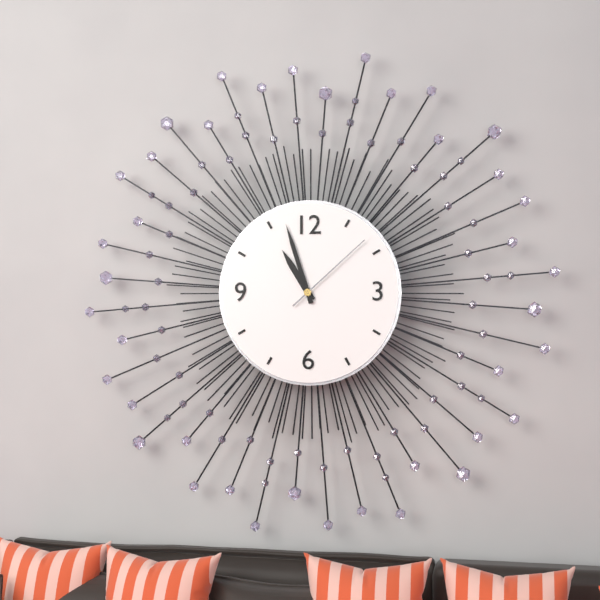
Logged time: h=10 m=57 s=8
